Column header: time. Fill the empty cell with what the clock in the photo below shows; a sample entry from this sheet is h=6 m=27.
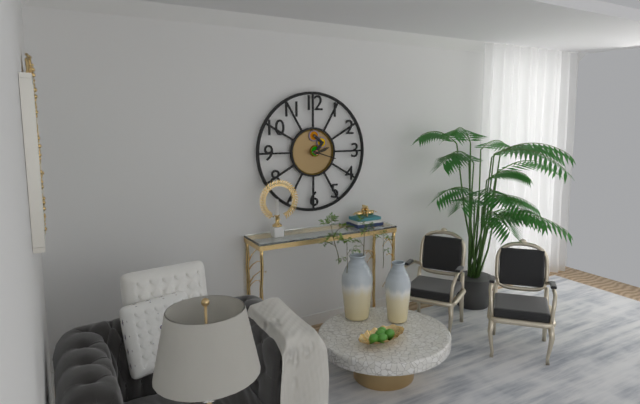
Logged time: h=2 m=18
